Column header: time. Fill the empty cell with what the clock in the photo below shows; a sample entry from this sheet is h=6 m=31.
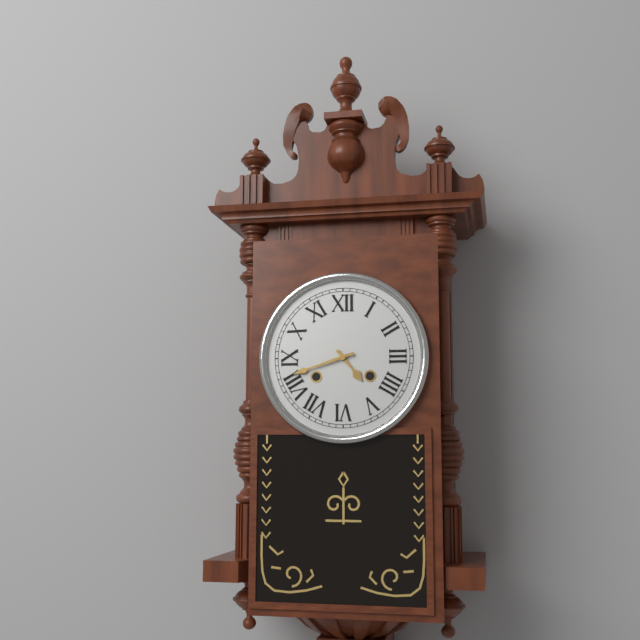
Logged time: h=4 m=42
